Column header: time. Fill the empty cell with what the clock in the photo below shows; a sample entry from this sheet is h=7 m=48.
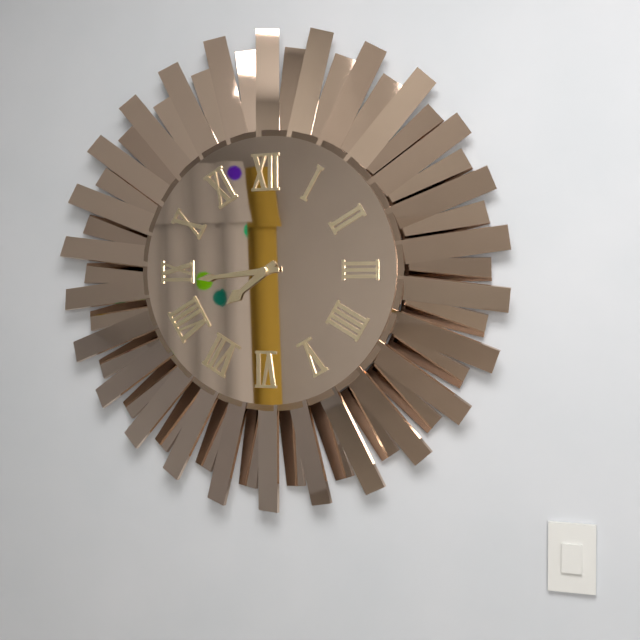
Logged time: h=7 m=44
